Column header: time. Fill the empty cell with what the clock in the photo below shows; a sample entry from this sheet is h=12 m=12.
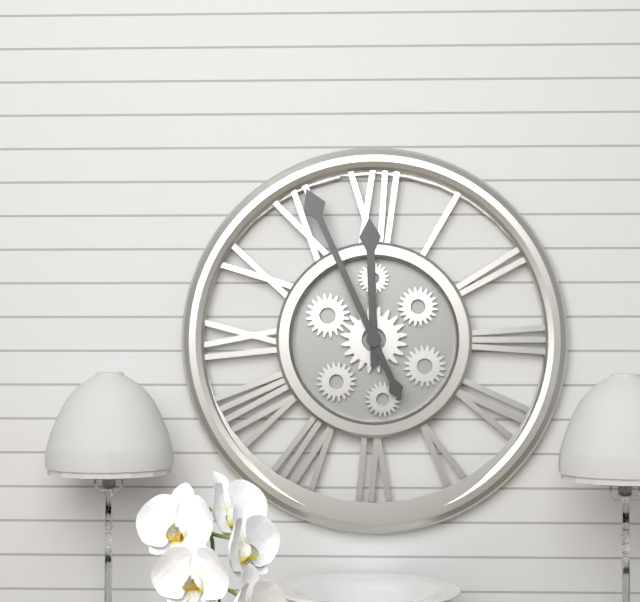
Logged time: h=11 m=56
